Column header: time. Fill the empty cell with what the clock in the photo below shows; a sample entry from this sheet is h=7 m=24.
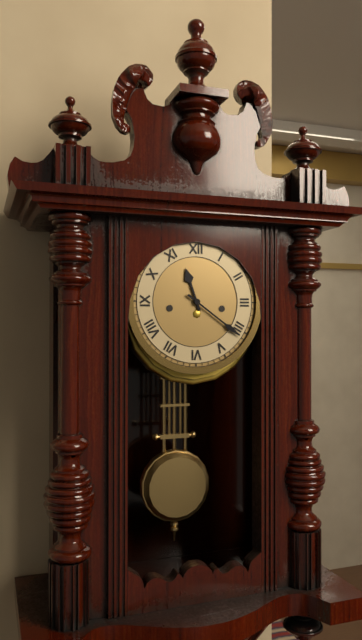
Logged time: h=11 m=21
